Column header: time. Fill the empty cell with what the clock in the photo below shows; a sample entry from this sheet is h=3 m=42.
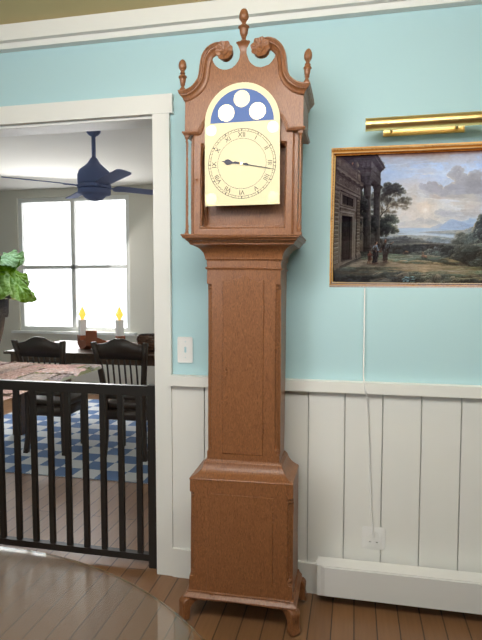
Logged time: h=9 m=17
